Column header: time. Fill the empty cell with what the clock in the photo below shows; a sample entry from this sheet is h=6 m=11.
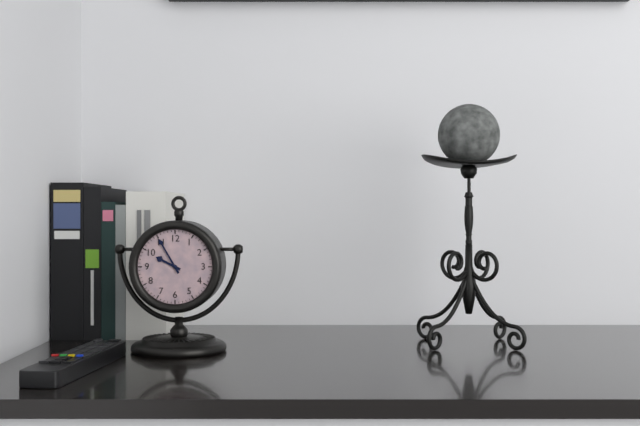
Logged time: h=9 m=55
